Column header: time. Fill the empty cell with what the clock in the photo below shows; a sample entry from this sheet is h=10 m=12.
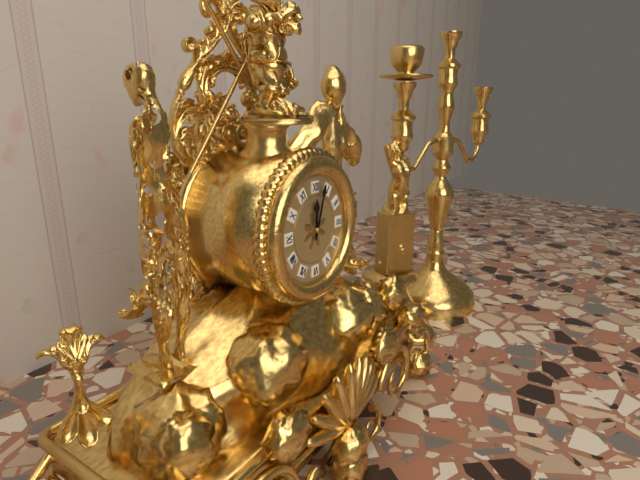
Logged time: h=12 m=3
